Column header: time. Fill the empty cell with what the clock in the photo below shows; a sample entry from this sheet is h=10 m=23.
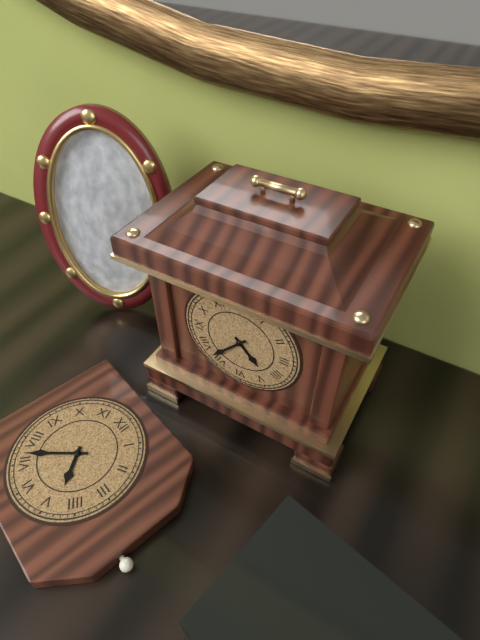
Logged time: h=4 m=37
